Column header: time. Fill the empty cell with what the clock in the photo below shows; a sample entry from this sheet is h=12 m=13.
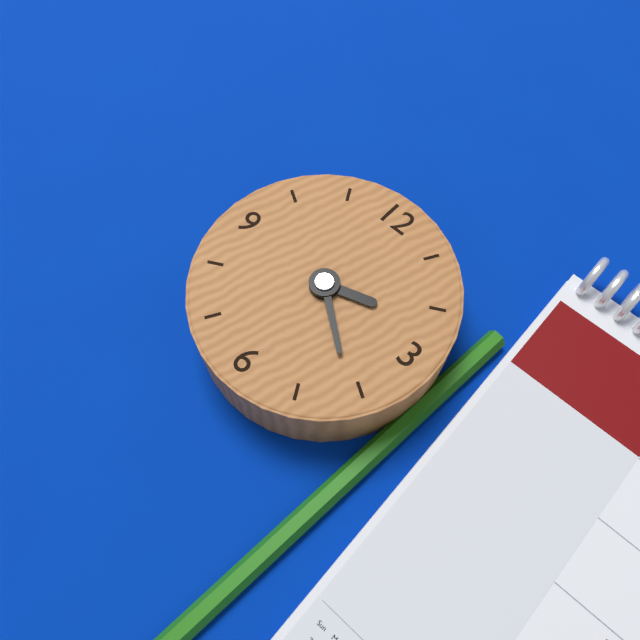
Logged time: h=2 m=21
